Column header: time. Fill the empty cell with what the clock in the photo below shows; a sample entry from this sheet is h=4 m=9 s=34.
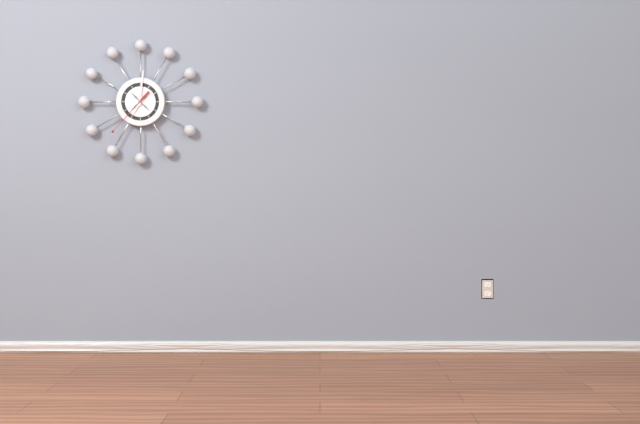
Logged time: h=7 m=1 s=37
